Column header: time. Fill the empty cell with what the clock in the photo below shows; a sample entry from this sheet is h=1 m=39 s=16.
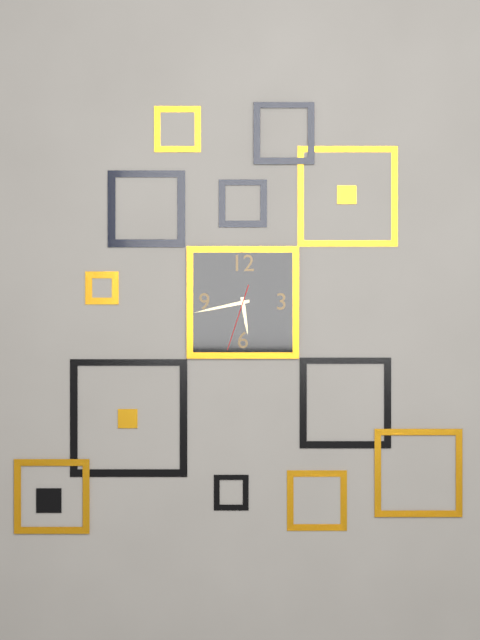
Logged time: h=5 m=43 s=33
